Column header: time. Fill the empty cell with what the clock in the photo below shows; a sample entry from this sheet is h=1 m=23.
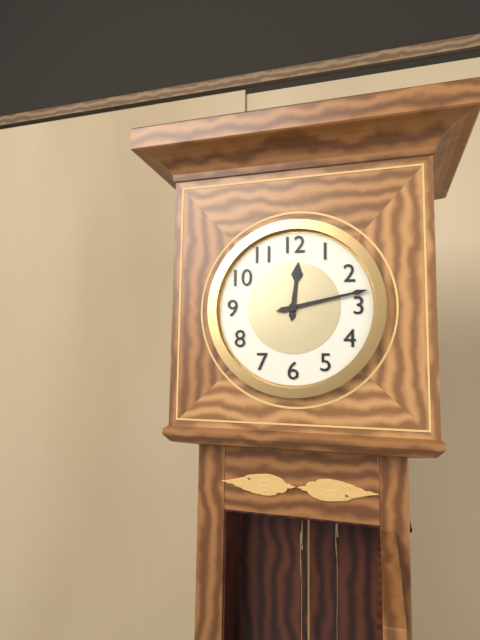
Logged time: h=12 m=13
